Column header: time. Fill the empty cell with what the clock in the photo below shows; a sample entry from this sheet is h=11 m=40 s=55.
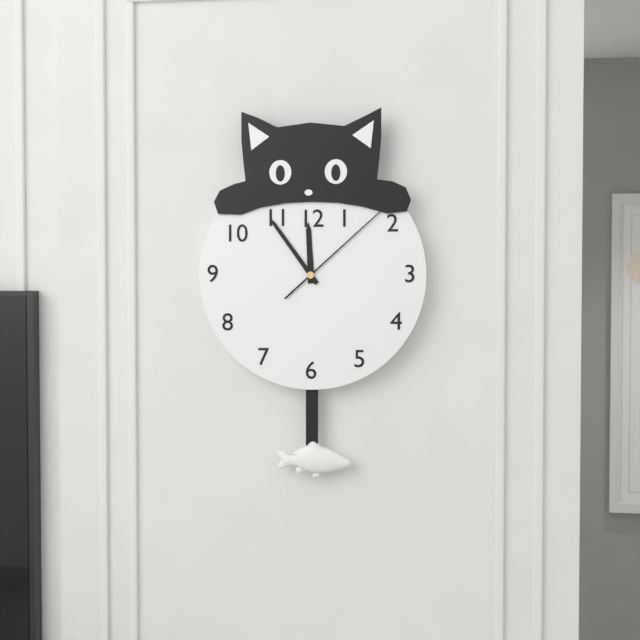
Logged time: h=11 m=54 s=8
